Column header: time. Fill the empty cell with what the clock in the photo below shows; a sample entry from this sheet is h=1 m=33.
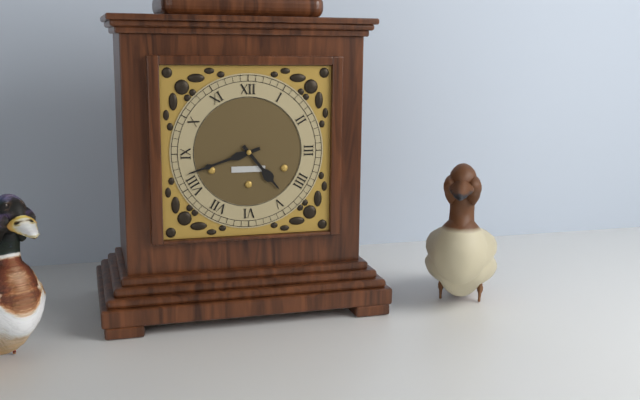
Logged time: h=4 m=42
